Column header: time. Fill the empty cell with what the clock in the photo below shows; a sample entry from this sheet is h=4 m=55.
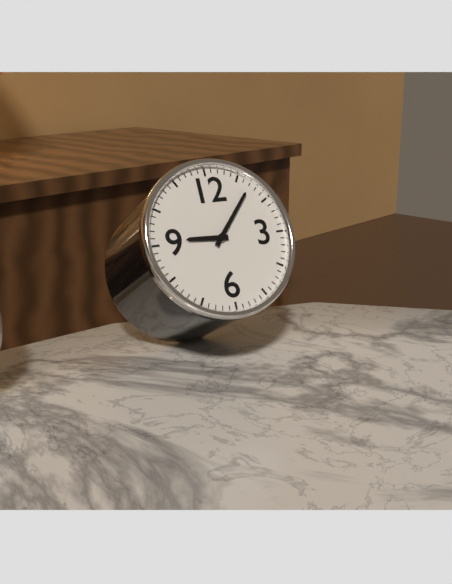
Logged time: h=9 m=7
